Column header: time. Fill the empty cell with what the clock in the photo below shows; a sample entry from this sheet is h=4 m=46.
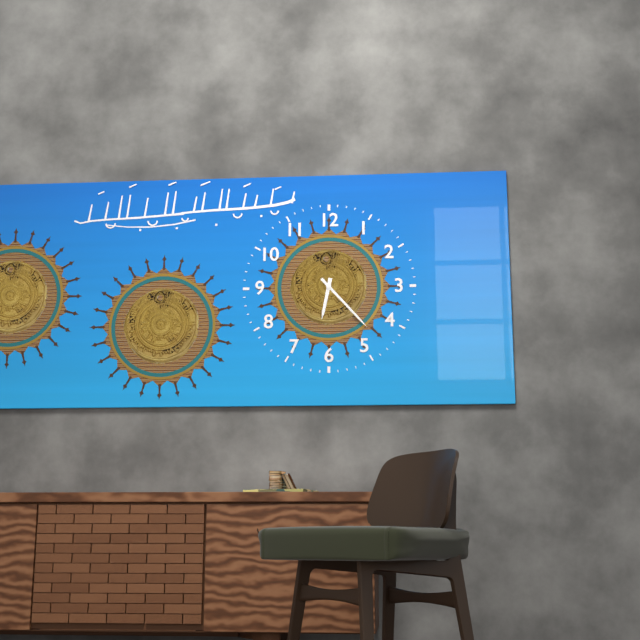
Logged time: h=6 m=23
